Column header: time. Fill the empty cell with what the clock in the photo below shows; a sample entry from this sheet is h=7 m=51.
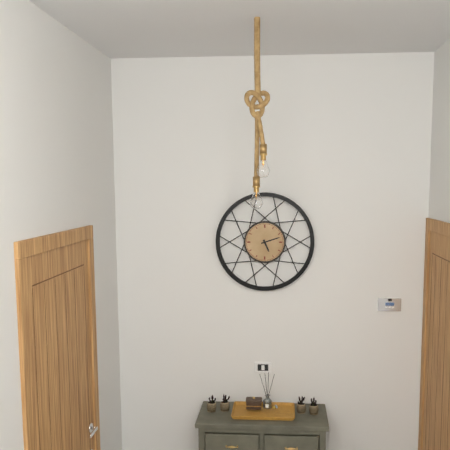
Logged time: h=5 m=12
